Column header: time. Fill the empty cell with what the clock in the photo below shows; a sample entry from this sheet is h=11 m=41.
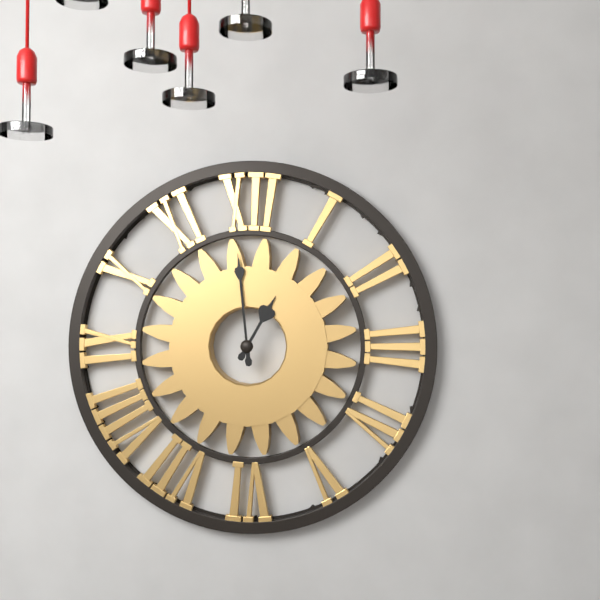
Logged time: h=12 m=59
